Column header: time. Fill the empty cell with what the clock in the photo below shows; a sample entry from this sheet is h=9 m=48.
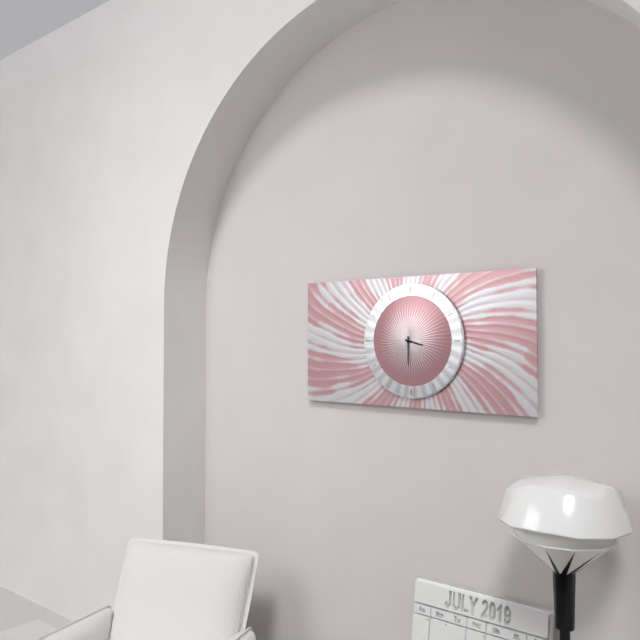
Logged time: h=3 m=30
